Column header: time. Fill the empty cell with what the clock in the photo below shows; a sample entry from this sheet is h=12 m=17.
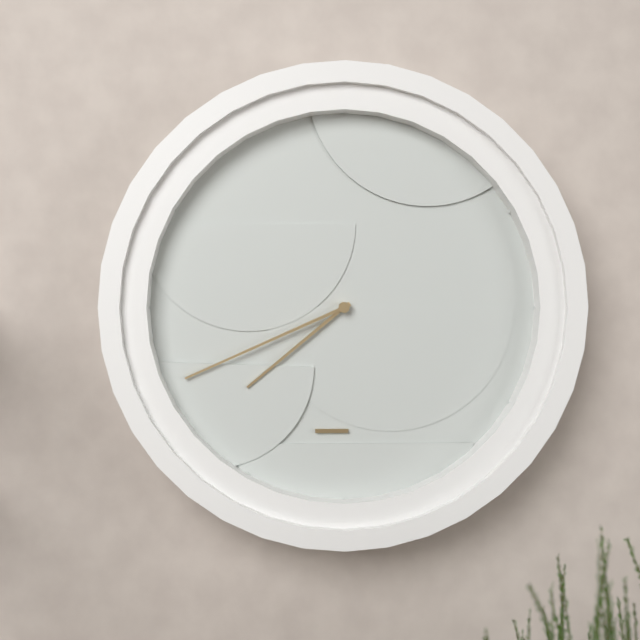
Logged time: h=7 m=41
